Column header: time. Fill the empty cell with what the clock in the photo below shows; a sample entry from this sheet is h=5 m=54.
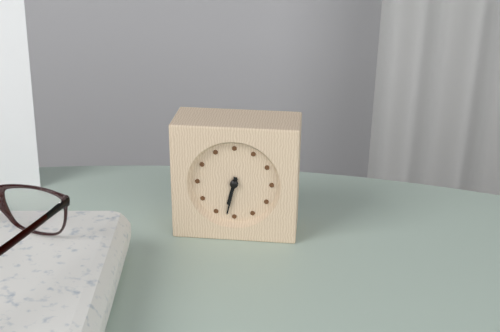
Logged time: h=6 m=32
